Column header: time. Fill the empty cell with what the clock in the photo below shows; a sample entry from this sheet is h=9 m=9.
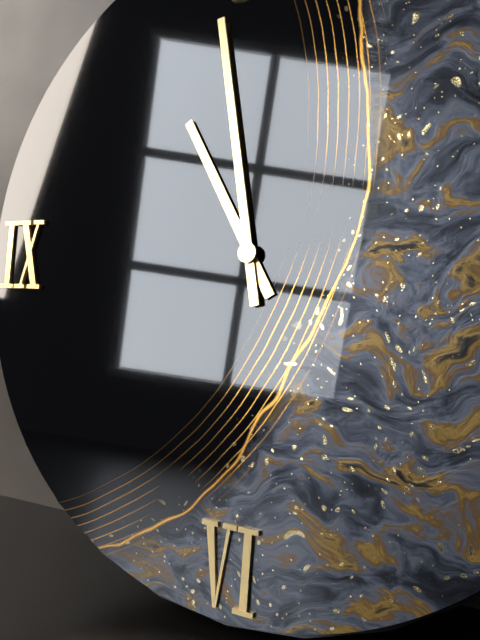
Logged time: h=10 m=58
